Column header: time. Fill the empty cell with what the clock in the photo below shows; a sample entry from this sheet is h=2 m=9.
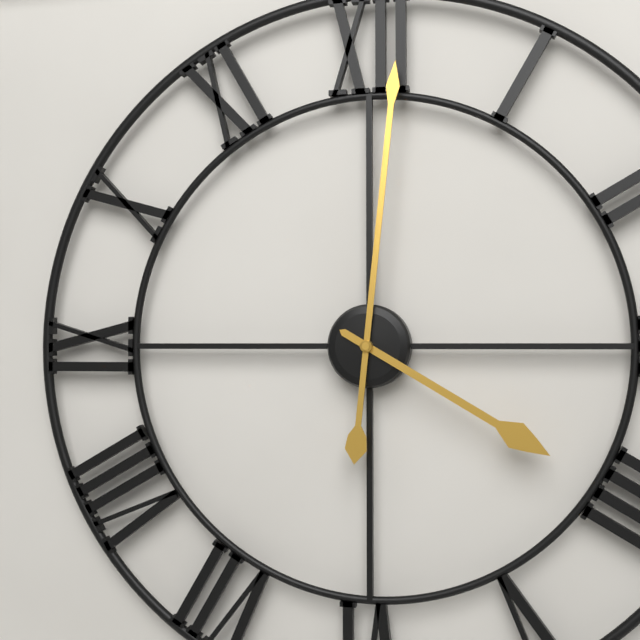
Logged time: h=4 m=1
